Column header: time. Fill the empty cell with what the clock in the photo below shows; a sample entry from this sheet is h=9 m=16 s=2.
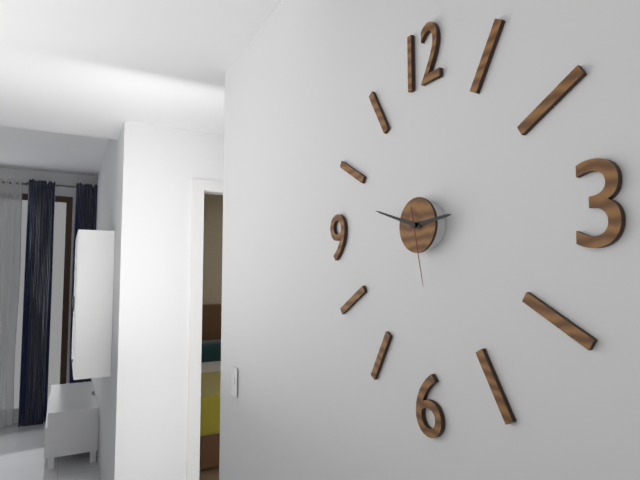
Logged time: h=2 m=48 s=28
